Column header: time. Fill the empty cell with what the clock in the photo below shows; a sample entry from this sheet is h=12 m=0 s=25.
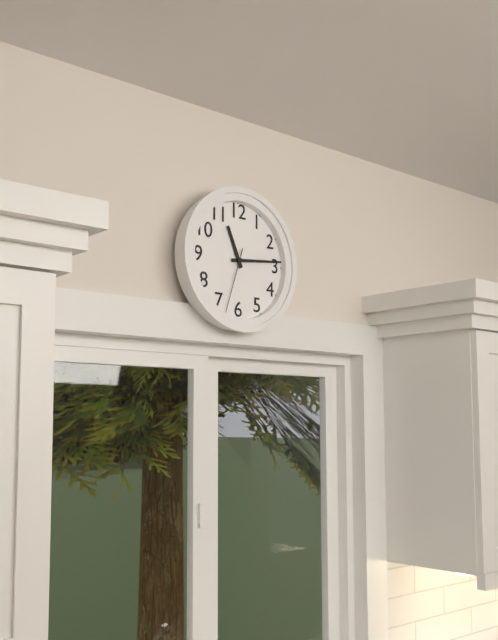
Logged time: h=11 m=14 s=33
